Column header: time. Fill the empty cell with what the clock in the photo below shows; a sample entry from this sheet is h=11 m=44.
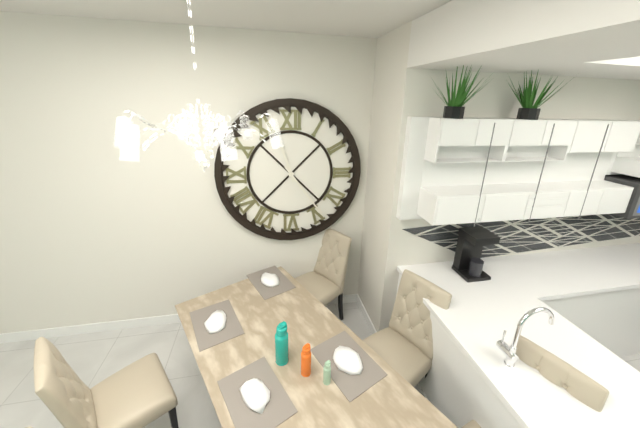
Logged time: h=11 m=24
